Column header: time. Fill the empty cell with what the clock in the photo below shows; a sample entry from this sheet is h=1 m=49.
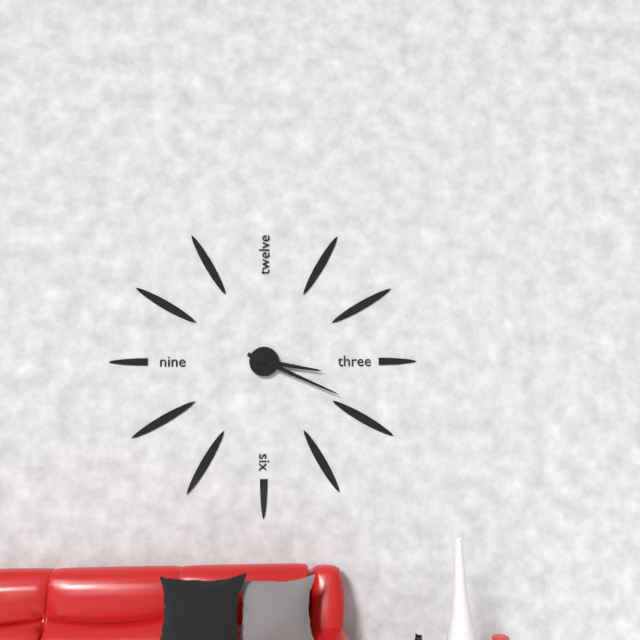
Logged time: h=3 m=19
